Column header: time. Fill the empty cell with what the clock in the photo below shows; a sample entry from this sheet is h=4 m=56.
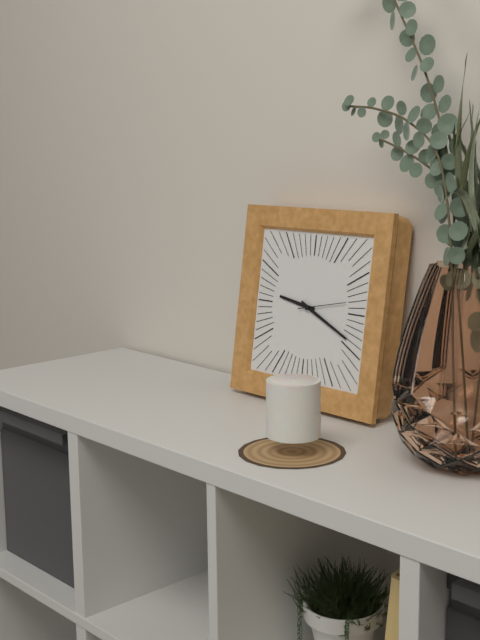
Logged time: h=9 m=19
